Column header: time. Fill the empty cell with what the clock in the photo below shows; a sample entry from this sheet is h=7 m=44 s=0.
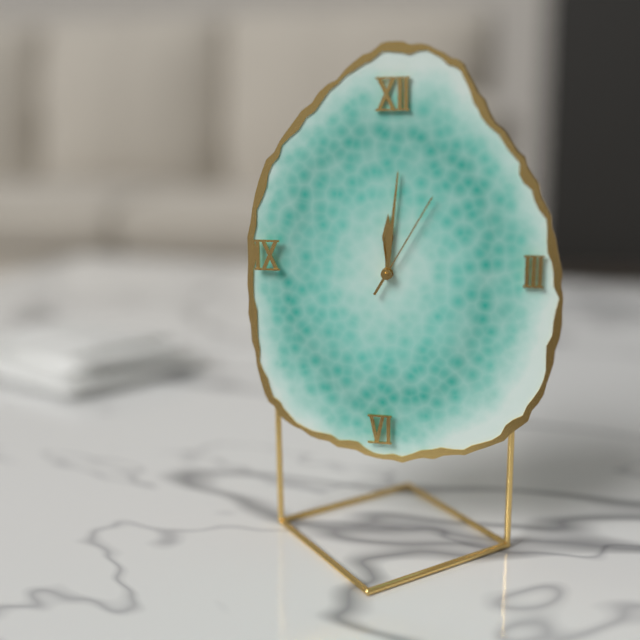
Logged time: h=12 m=1 s=5
